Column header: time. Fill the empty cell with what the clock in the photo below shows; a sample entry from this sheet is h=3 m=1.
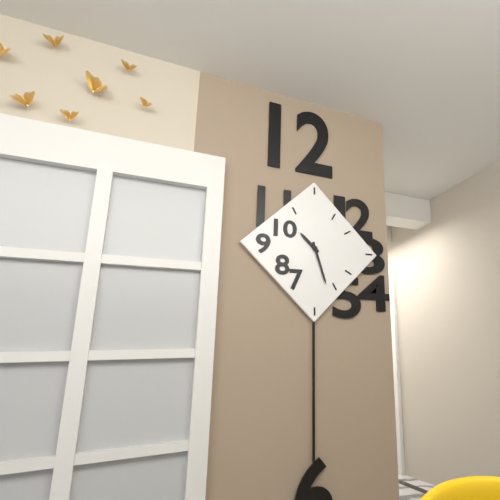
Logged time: h=10 m=27
